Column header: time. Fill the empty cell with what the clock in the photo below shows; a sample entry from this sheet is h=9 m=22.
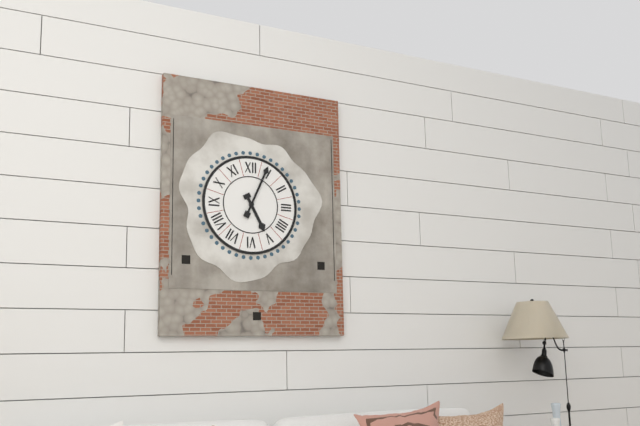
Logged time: h=5 m=4
